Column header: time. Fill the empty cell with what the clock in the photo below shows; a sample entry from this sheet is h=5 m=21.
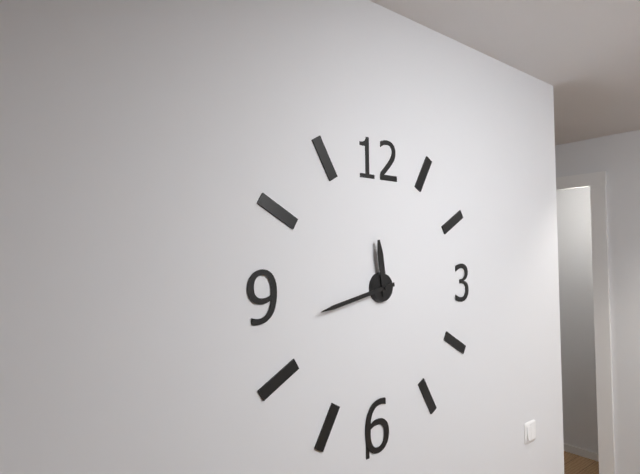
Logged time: h=11 m=43
